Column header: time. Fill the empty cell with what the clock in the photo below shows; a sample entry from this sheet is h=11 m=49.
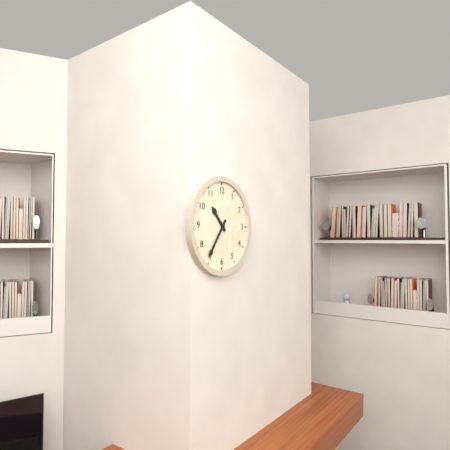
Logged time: h=10 m=36
